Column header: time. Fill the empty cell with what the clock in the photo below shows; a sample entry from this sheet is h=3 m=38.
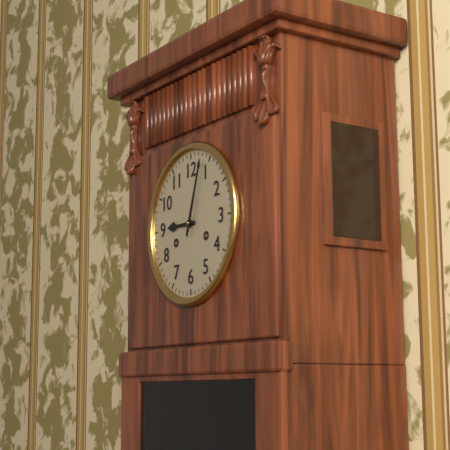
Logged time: h=9 m=3
